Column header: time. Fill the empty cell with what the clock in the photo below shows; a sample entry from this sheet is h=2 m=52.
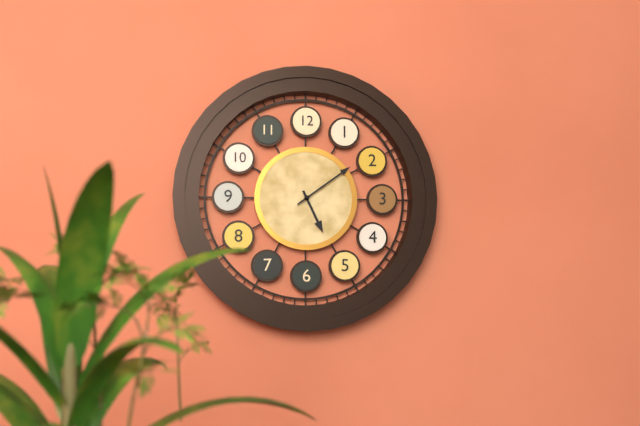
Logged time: h=5 m=9
